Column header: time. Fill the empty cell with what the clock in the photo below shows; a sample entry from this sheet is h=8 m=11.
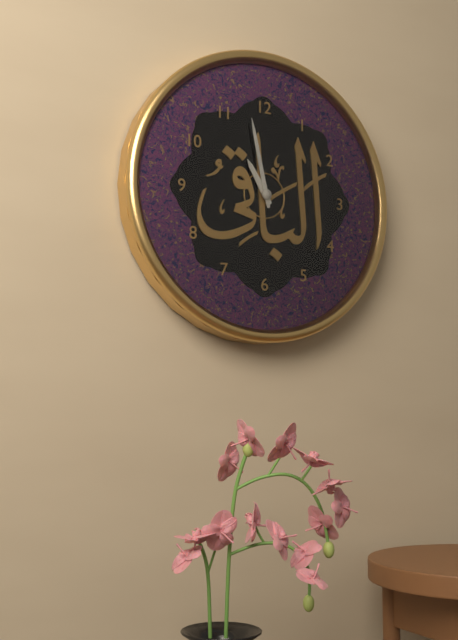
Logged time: h=10 m=58
